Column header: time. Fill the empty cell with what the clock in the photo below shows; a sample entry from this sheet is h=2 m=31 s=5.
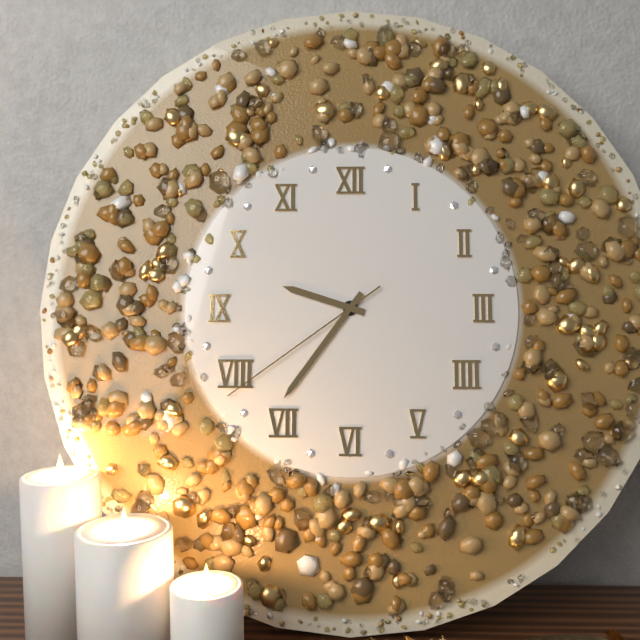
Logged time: h=9 m=36 s=39
